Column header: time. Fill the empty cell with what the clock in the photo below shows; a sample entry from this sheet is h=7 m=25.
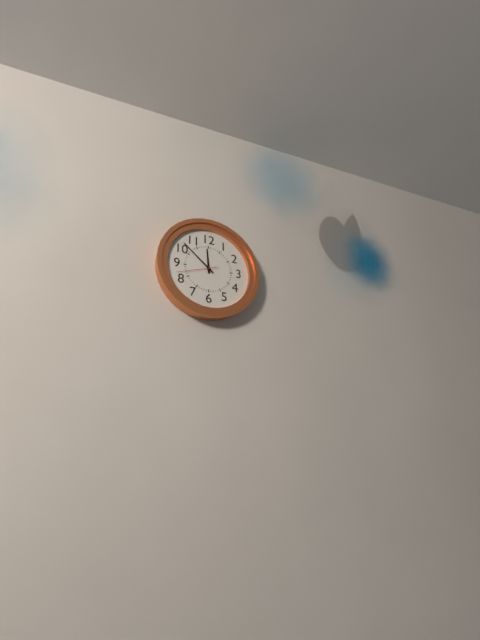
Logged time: h=11 m=52
